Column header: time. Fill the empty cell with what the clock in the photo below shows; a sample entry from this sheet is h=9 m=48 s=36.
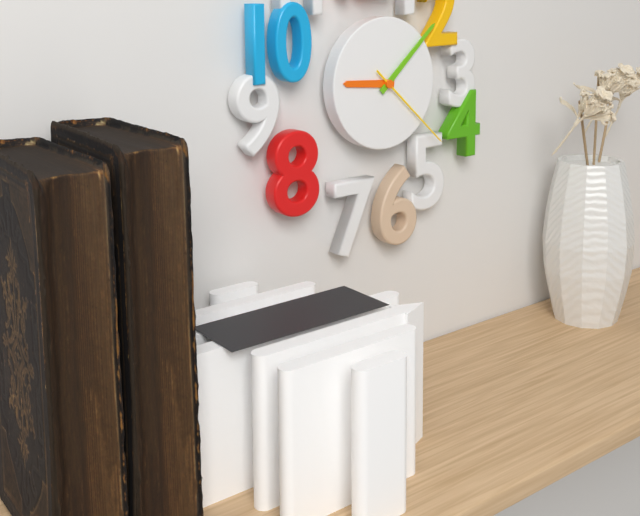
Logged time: h=9 m=8 s=22
